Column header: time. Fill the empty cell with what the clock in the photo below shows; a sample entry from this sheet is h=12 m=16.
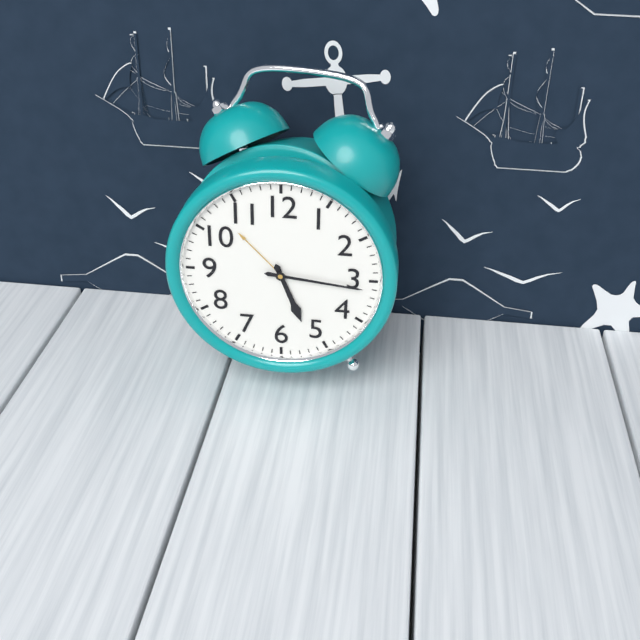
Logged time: h=5 m=16
